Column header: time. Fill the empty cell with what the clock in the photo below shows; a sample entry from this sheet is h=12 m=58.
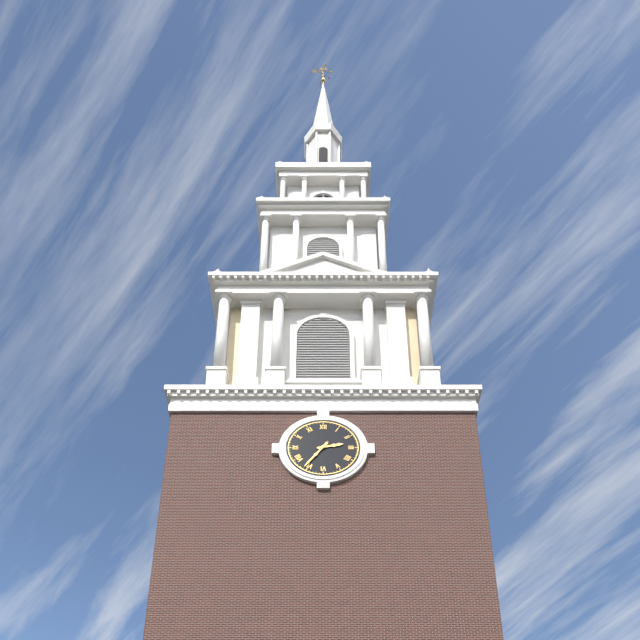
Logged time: h=2 m=36
